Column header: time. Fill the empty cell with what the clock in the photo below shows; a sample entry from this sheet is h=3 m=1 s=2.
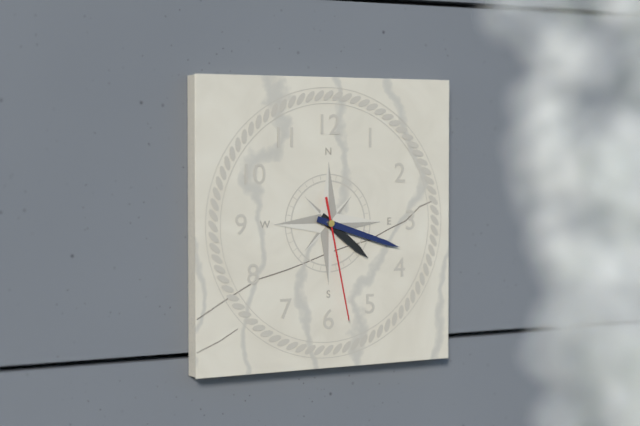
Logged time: h=4 m=18 s=28
